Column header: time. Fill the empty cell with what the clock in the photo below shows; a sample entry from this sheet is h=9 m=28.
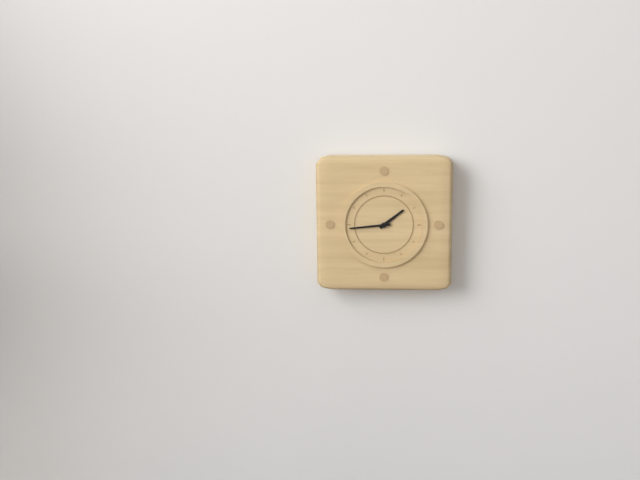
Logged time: h=1 m=44
